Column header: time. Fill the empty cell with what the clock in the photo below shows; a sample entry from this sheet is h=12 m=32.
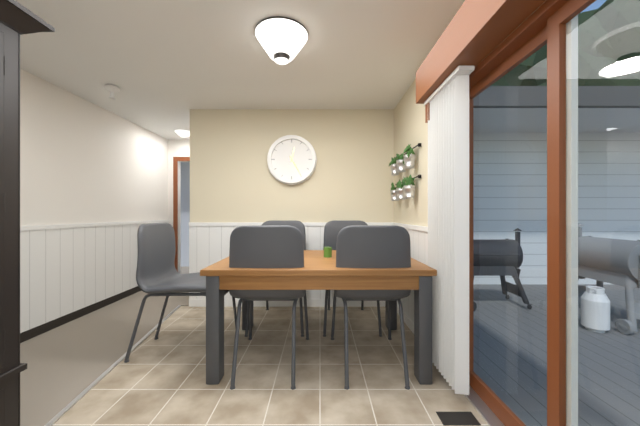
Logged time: h=12 m=25
